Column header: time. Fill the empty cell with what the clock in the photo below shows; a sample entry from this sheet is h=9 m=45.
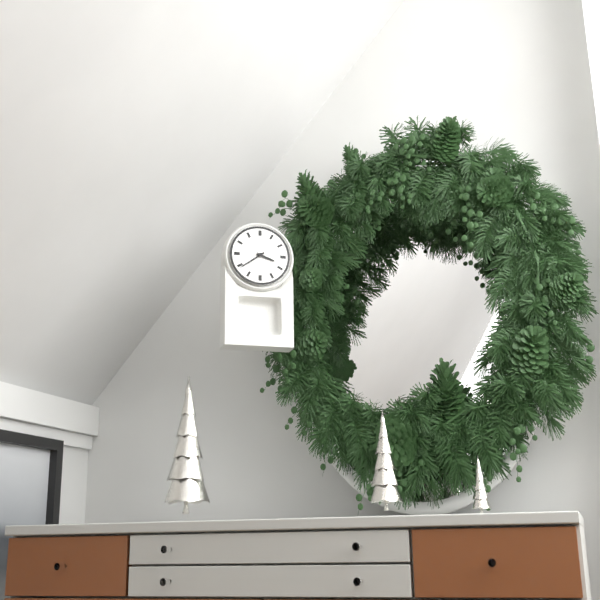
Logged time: h=3 m=39
